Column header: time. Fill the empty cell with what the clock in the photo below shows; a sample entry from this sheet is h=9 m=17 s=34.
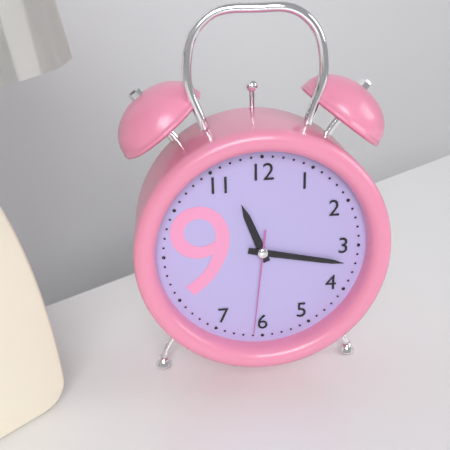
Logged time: h=11 m=17 s=31
